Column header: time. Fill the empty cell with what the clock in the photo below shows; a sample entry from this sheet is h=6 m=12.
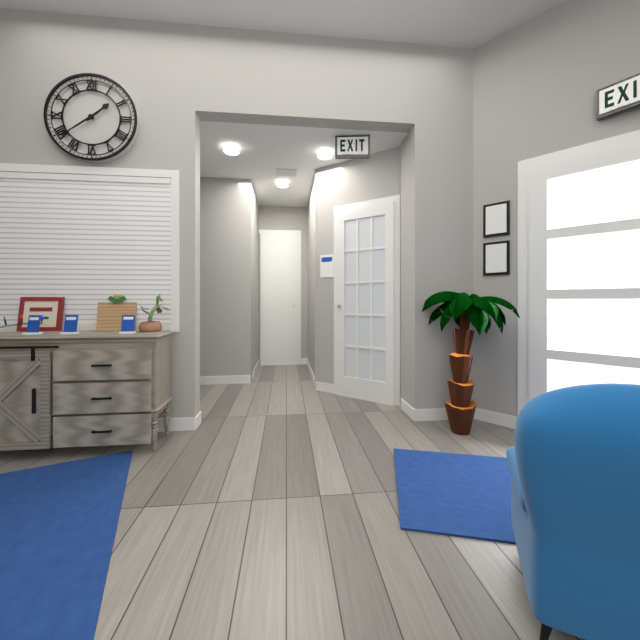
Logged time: h=1 m=39
